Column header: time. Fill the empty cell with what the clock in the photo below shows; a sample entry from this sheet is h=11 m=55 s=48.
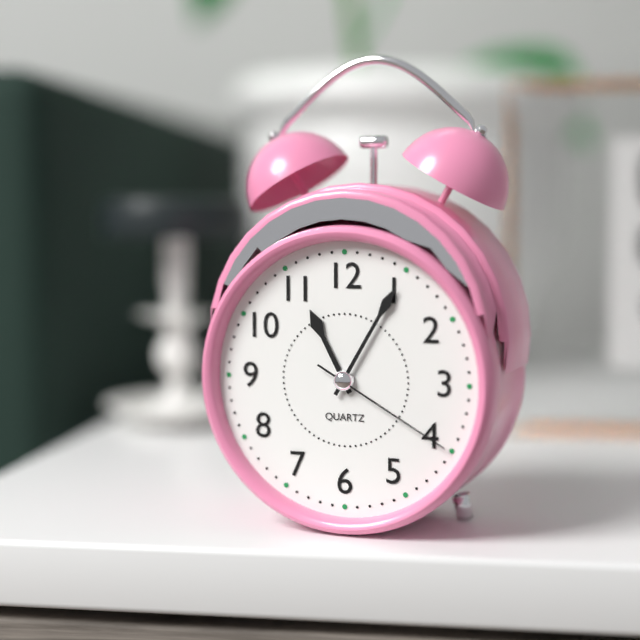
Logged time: h=11 m=5 s=20
